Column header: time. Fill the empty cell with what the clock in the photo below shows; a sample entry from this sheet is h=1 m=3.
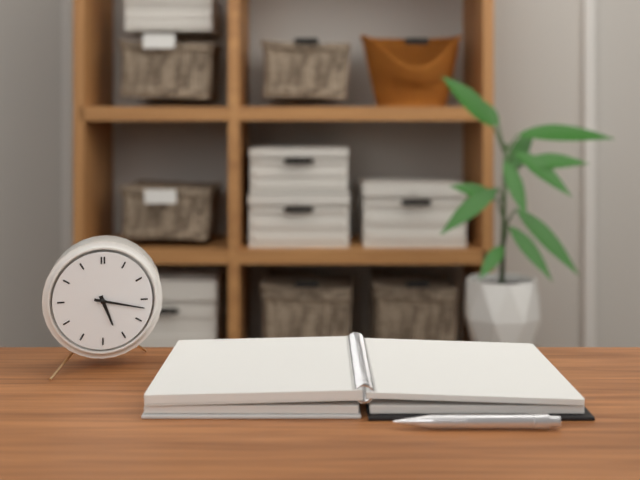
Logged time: h=5 m=17
